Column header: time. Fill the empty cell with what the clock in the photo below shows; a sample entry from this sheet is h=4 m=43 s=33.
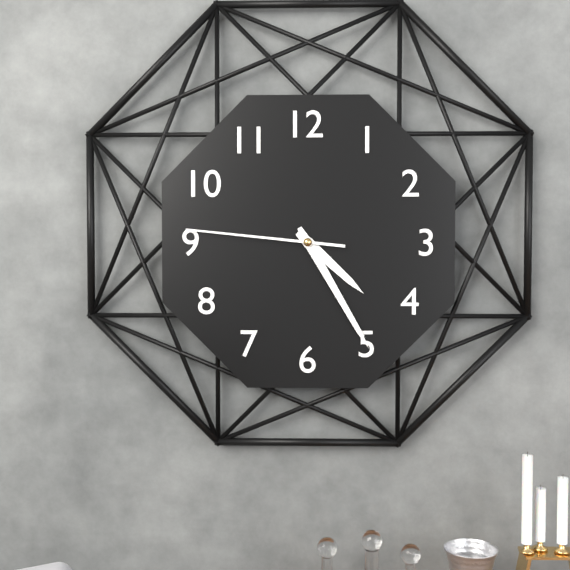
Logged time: h=4 m=25 s=46
